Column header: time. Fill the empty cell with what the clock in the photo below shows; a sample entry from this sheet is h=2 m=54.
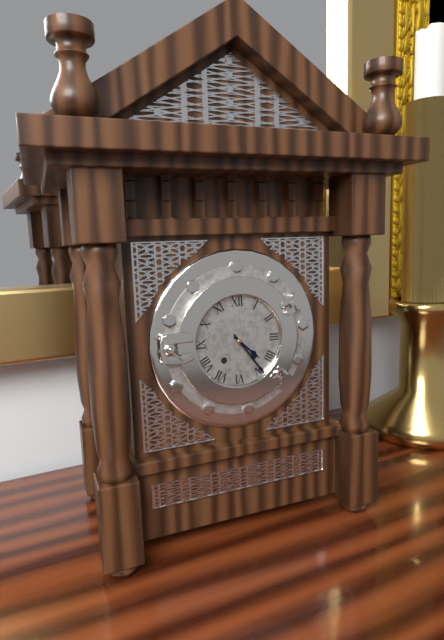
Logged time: h=4 m=24
